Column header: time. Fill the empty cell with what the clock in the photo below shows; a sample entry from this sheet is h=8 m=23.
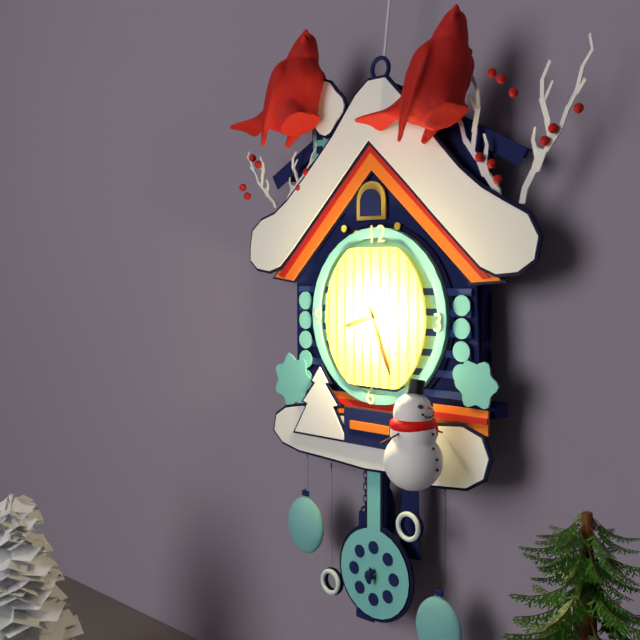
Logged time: h=8 m=26
